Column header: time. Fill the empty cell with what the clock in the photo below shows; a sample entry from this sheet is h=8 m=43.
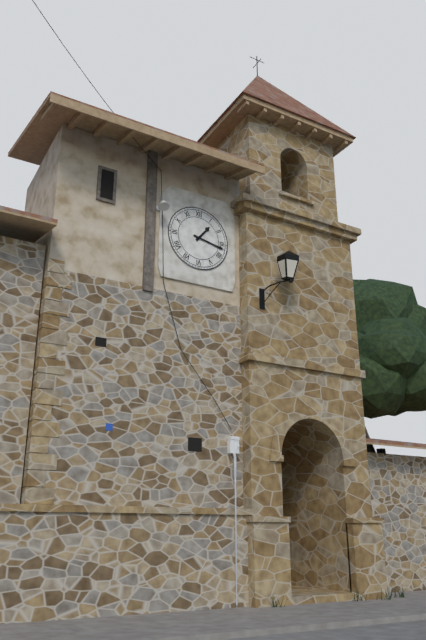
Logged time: h=1 m=17
